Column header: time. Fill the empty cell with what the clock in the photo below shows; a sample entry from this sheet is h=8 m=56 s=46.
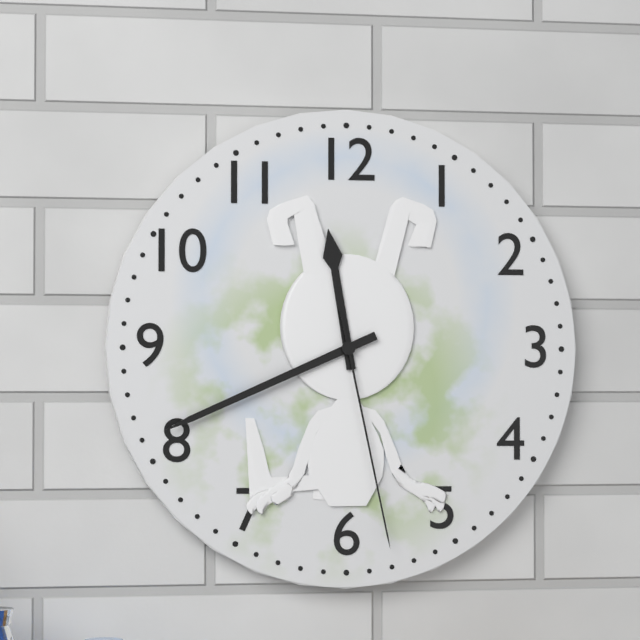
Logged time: h=11 m=41 s=28
